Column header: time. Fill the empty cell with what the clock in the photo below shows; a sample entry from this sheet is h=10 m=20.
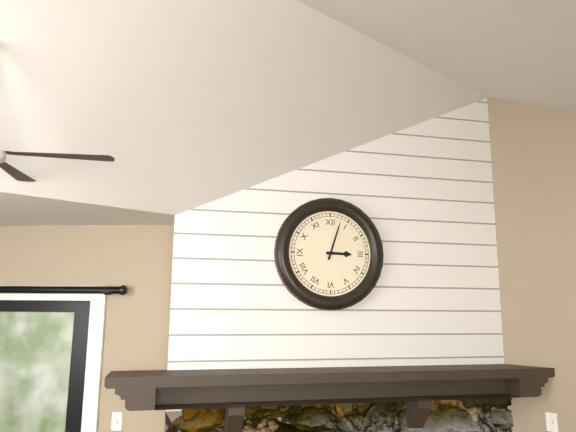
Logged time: h=3 m=3
